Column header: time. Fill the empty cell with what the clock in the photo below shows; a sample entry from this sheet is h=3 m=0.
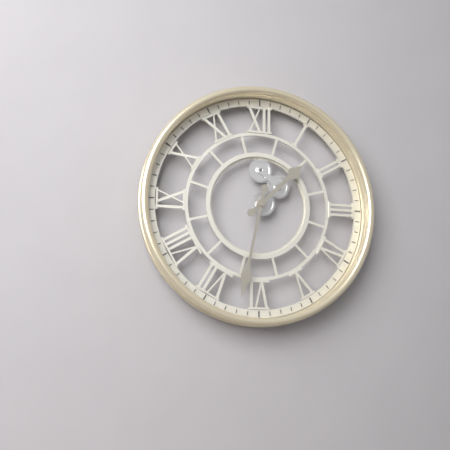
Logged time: h=1 m=32
